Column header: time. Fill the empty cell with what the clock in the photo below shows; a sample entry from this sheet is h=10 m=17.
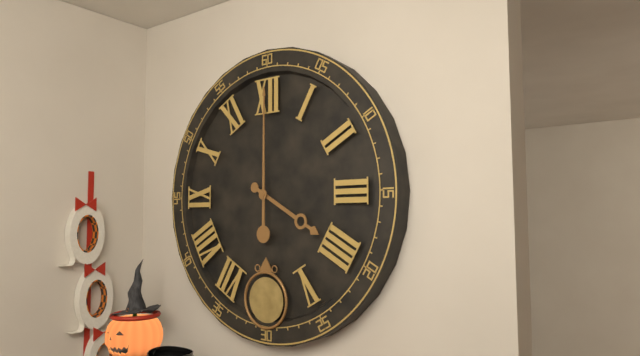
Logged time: h=4 m=0
